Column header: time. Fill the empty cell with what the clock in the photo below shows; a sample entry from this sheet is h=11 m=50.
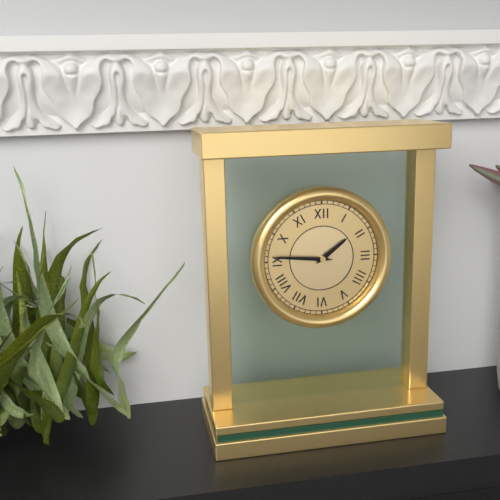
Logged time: h=1 m=46
